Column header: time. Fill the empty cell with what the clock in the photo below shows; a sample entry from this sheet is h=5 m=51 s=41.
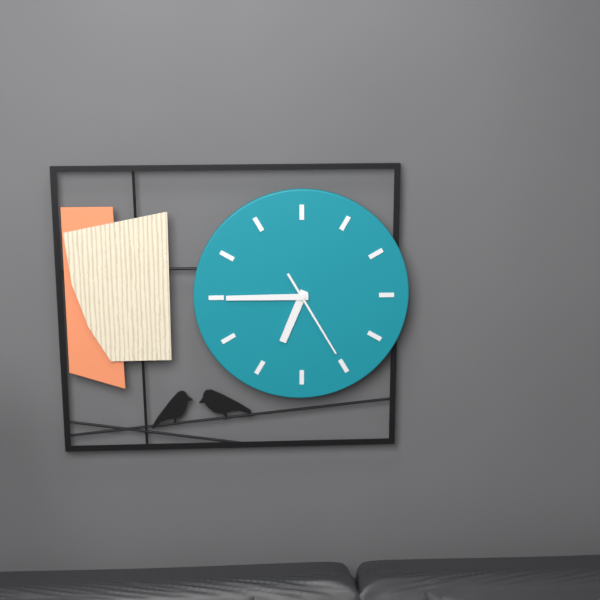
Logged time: h=6 m=45 s=25
